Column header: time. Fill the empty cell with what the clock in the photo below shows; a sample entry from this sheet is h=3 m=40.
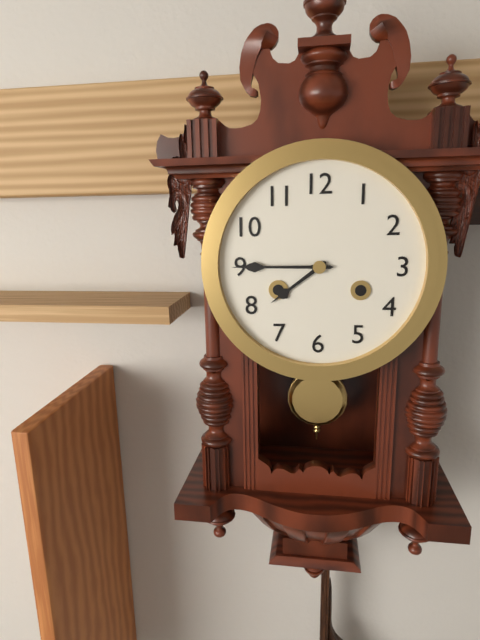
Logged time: h=7 m=45
